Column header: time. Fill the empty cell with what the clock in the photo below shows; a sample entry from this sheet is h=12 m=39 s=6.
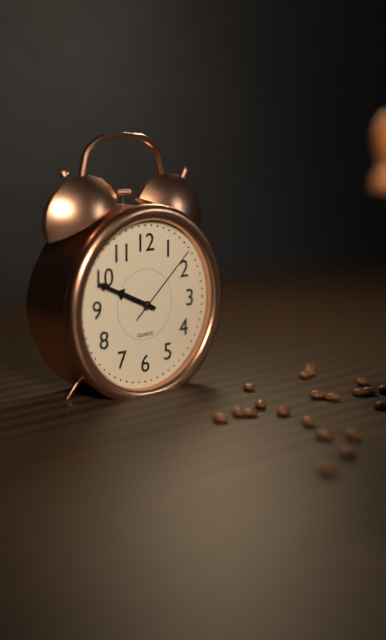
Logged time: h=9 m=49 s=8
